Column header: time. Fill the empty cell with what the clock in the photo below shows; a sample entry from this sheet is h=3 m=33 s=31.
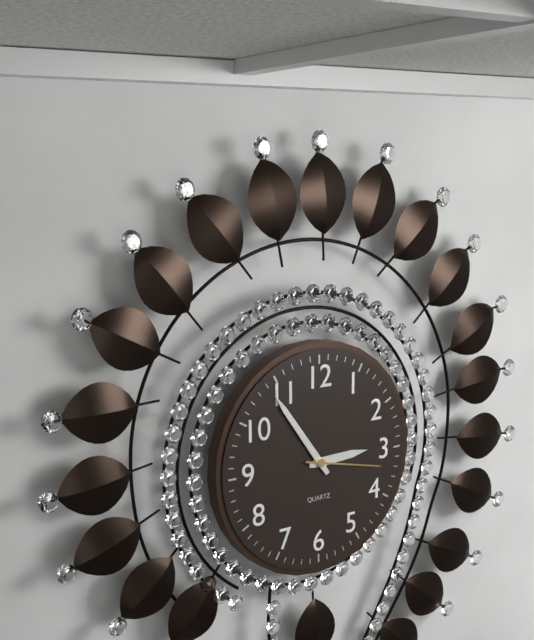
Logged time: h=2 m=54 s=17
